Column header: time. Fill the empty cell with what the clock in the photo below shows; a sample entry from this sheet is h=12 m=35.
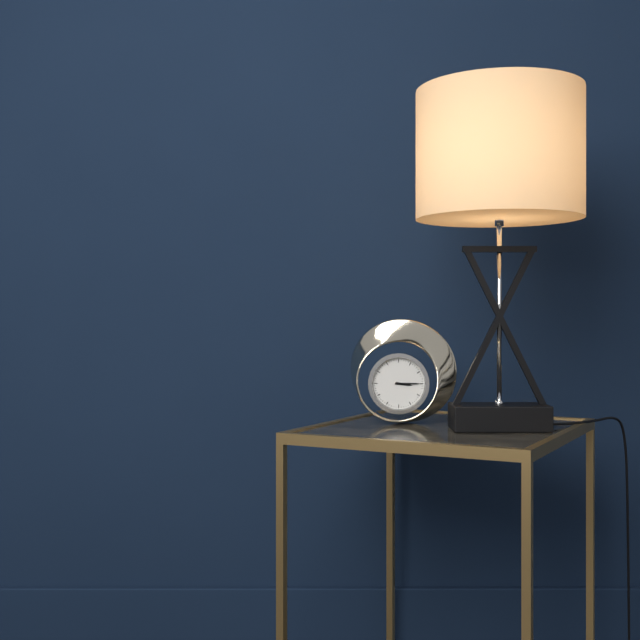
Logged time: h=3 m=15
